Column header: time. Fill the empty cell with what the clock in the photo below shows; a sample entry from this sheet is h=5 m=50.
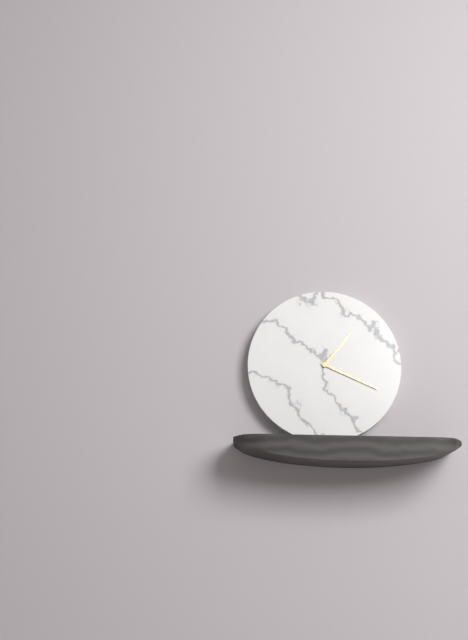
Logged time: h=1 m=19
